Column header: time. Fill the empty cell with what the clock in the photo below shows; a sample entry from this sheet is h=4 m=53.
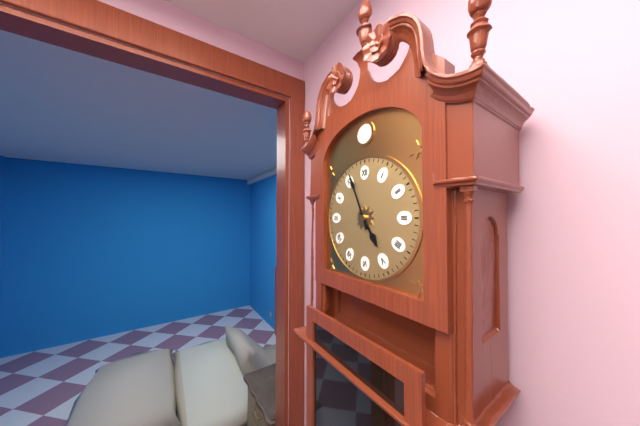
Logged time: h=4 m=56
